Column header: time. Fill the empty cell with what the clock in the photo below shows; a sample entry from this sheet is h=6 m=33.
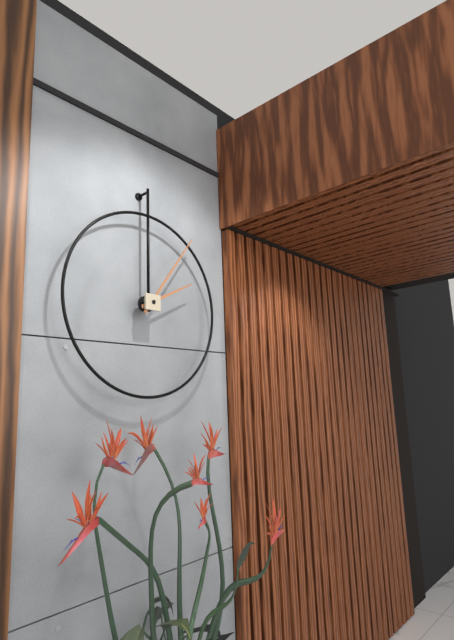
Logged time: h=2 m=6
